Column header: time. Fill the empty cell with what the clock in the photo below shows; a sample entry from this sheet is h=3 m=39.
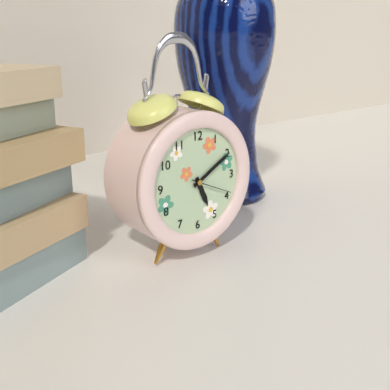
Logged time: h=5 m=10
